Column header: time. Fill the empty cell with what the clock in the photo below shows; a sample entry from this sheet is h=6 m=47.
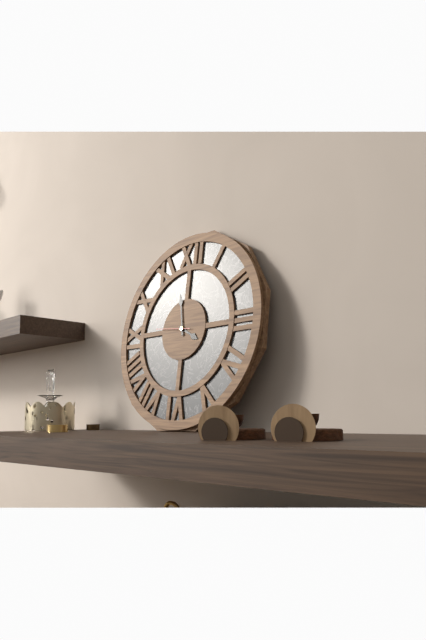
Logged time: h=3 m=58
